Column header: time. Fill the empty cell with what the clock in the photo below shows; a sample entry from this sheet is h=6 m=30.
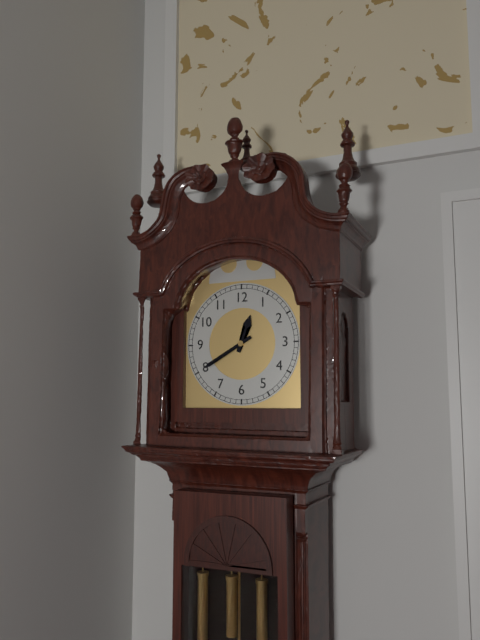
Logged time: h=12 m=40
